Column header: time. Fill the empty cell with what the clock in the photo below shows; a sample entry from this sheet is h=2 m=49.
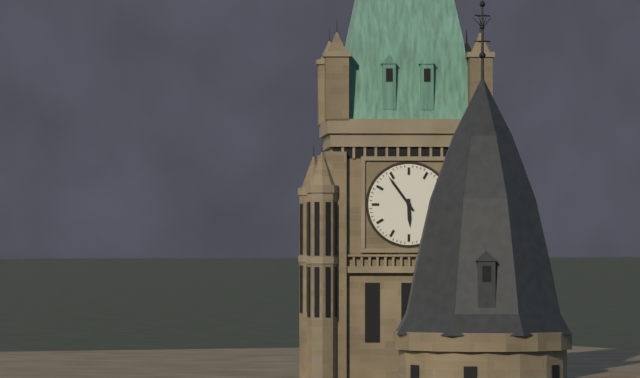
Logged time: h=5 m=54
